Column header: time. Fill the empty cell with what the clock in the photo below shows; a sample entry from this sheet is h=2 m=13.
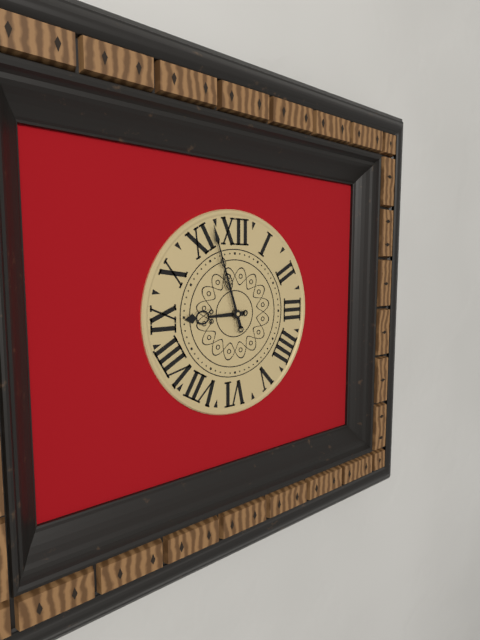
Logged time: h=8 m=57
